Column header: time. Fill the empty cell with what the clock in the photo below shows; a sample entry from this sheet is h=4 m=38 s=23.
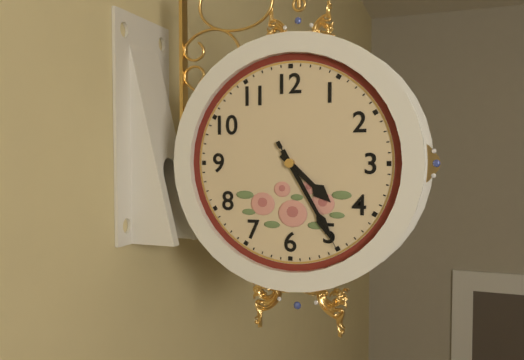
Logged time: h=4 m=25 s=25
